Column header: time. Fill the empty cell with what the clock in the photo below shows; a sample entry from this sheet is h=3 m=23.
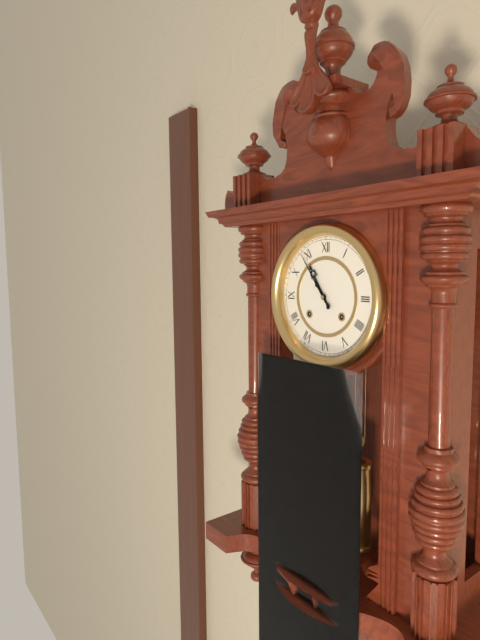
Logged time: h=10 m=54
